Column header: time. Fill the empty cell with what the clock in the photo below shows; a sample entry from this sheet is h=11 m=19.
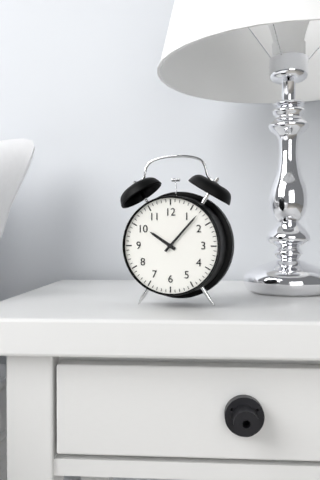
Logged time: h=10 m=7
